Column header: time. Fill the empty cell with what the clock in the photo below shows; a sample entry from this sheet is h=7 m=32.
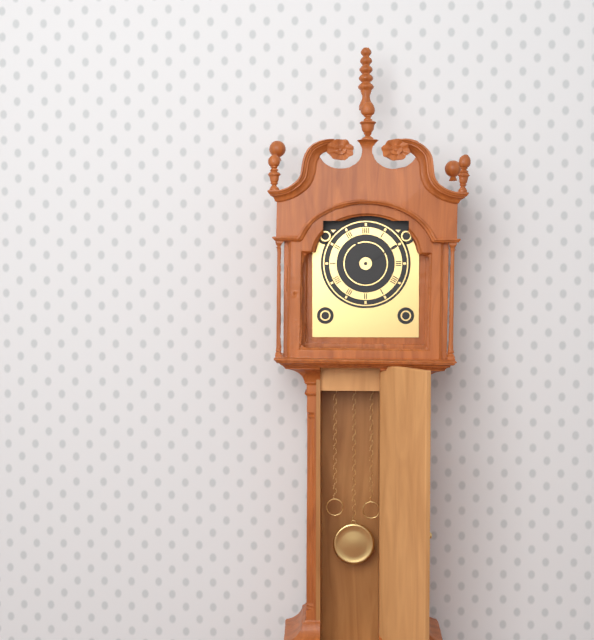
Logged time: h=11 m=10
